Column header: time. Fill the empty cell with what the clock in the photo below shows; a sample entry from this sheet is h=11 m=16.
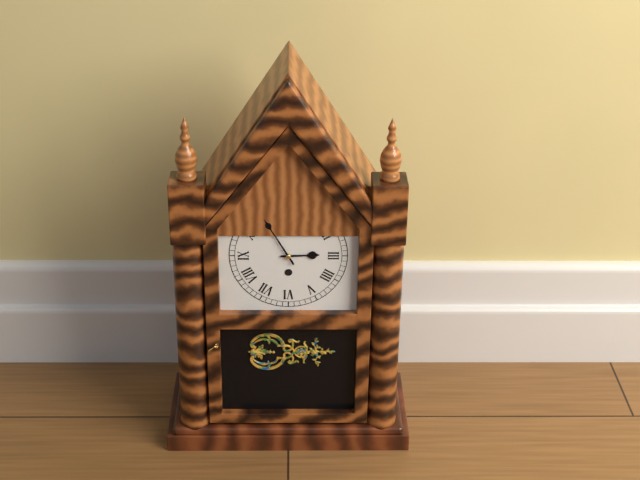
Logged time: h=2 m=55
